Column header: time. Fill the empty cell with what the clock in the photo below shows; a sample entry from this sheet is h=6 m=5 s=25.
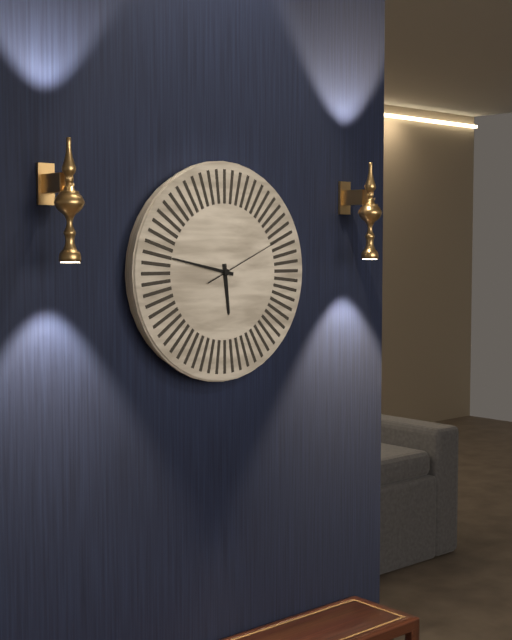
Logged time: h=5 m=47 s=11
